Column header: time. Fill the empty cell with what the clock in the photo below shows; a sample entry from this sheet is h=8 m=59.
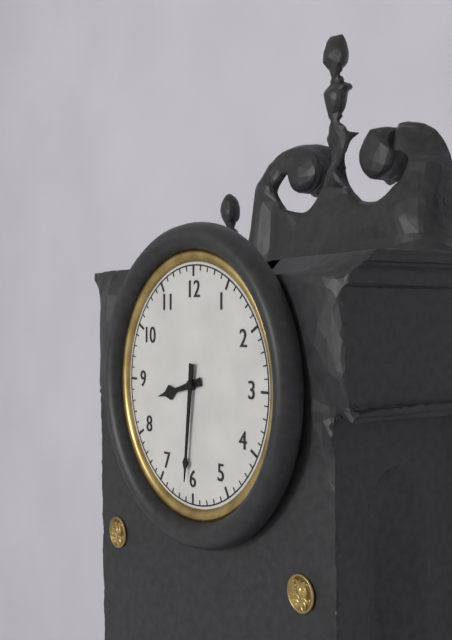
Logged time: h=8 m=31
